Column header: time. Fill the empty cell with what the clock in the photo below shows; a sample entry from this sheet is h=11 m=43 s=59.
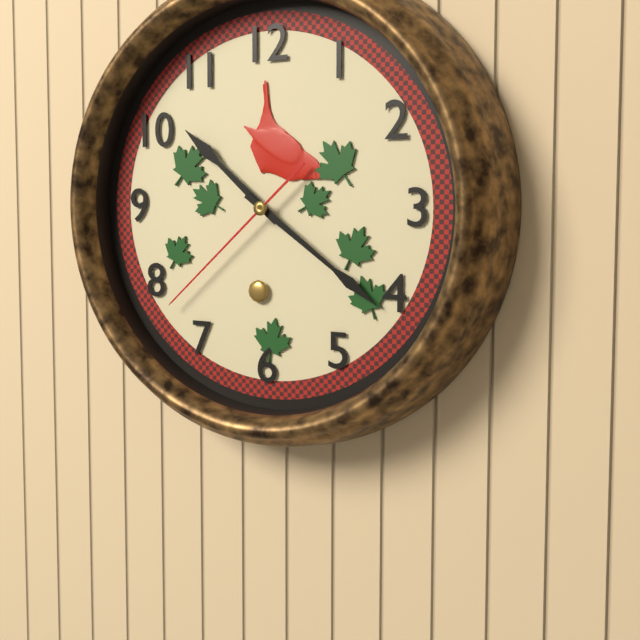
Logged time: h=10 m=21 s=38
